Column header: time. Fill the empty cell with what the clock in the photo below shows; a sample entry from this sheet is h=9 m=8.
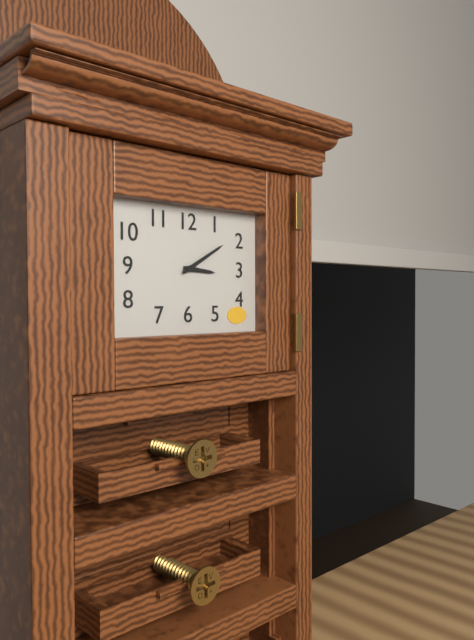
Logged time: h=3 m=10
